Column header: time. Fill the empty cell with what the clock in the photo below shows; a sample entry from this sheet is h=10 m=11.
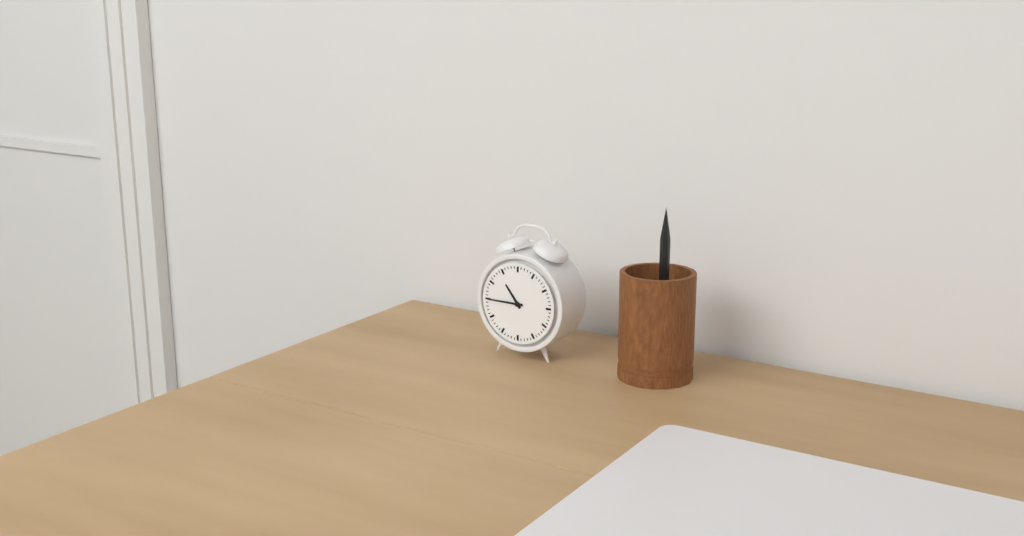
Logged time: h=10 m=45
